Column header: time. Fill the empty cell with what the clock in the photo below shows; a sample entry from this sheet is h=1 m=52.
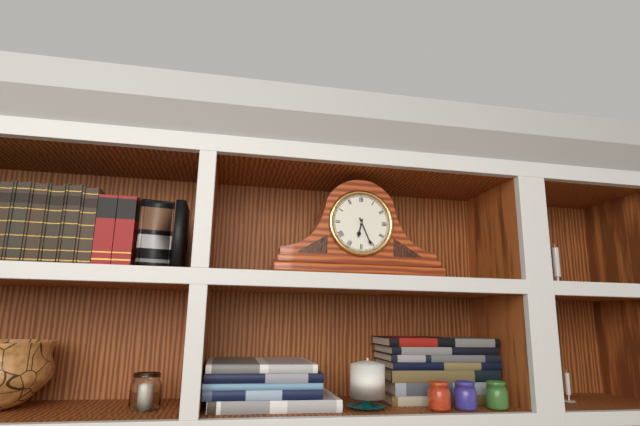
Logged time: h=6 m=26
